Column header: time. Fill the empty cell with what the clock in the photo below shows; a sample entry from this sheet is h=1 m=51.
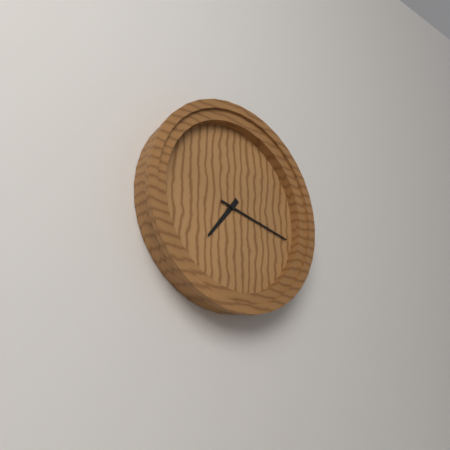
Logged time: h=7 m=17
